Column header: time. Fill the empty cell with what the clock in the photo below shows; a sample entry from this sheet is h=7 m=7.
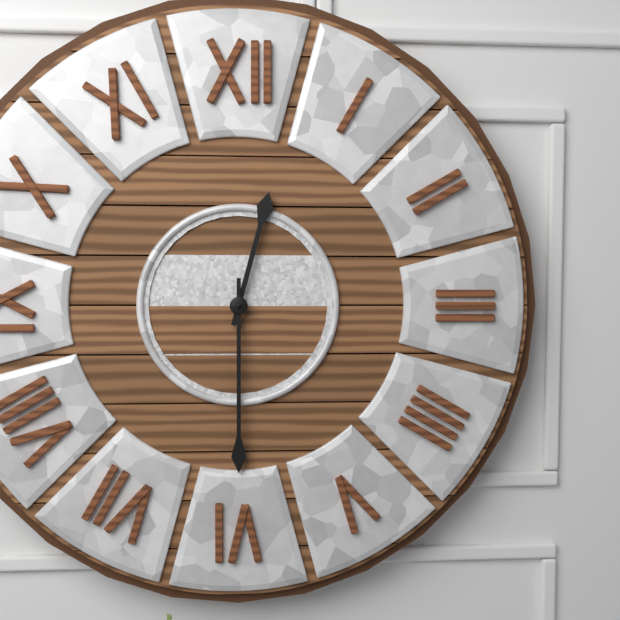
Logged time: h=12 m=30
